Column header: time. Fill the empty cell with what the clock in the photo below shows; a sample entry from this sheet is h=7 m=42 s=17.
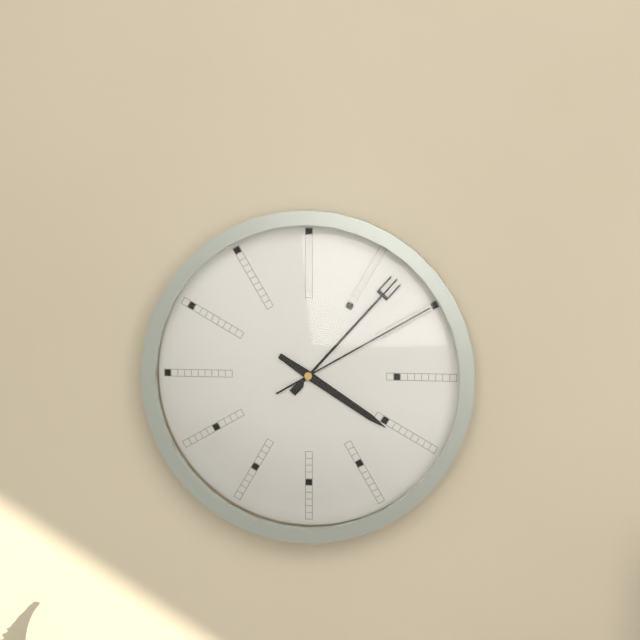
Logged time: h=4 m=7 s=10
